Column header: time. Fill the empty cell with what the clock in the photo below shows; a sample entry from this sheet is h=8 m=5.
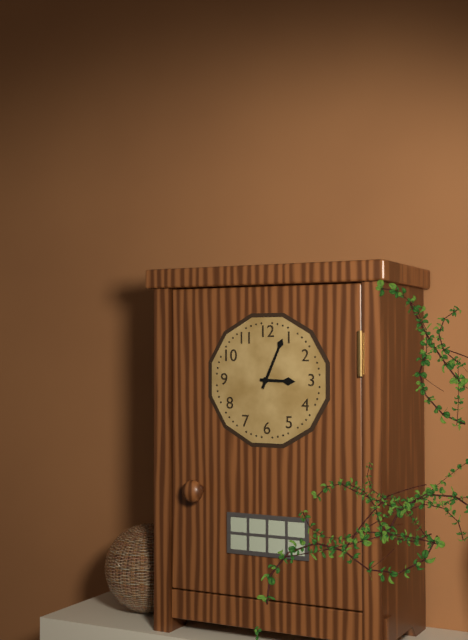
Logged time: h=3 m=4
